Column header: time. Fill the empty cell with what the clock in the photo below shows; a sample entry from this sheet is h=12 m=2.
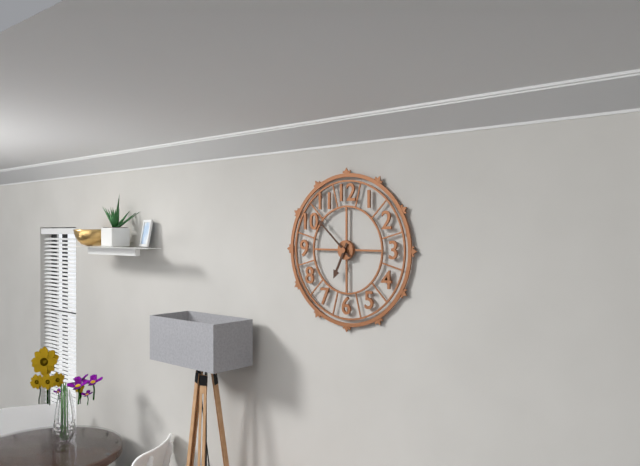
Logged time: h=6 m=52
